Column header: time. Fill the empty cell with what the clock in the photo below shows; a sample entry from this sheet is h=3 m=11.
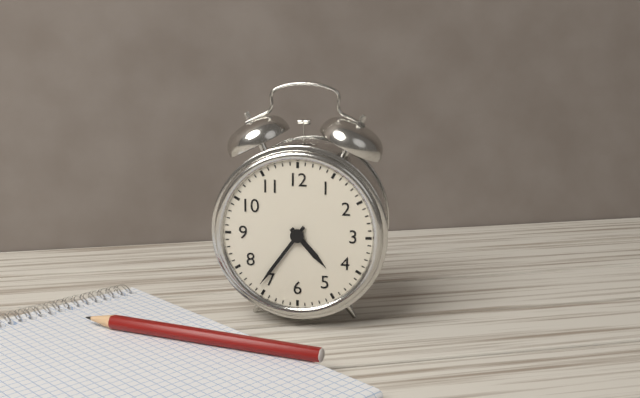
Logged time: h=4 m=36
